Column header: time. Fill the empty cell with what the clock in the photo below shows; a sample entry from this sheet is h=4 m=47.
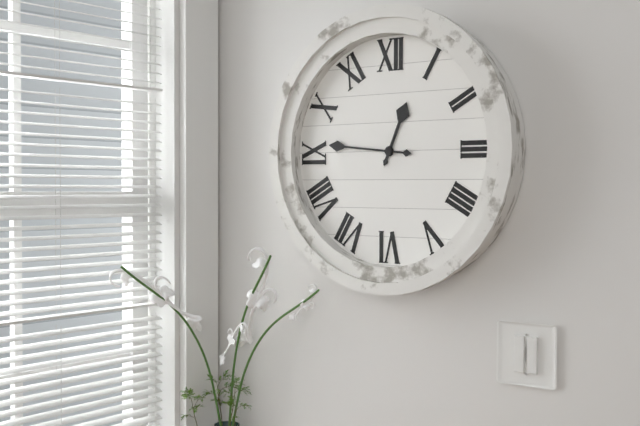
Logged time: h=12 m=46
